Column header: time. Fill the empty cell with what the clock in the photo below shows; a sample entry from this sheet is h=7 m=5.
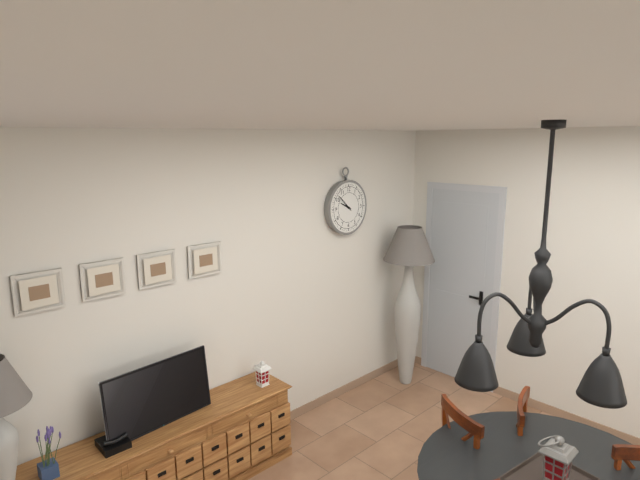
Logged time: h=9 m=52
